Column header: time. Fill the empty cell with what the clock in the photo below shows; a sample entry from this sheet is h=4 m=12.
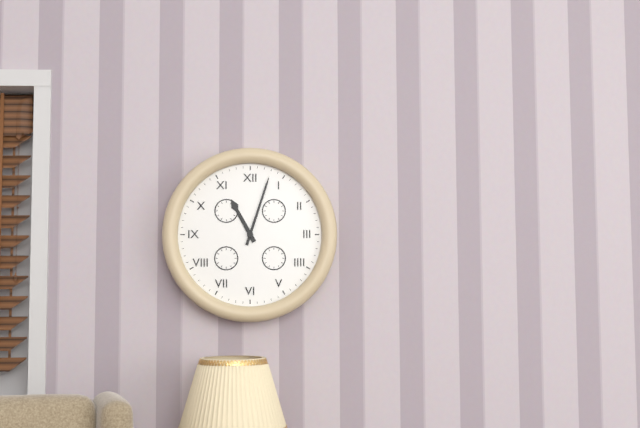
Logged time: h=11 m=3
